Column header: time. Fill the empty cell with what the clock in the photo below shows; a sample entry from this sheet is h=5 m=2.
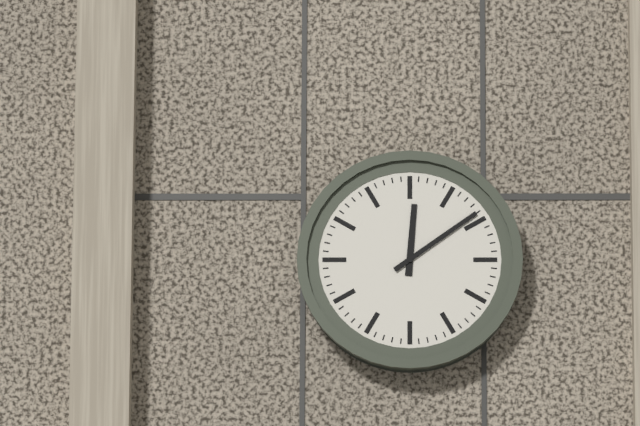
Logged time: h=12 m=9
